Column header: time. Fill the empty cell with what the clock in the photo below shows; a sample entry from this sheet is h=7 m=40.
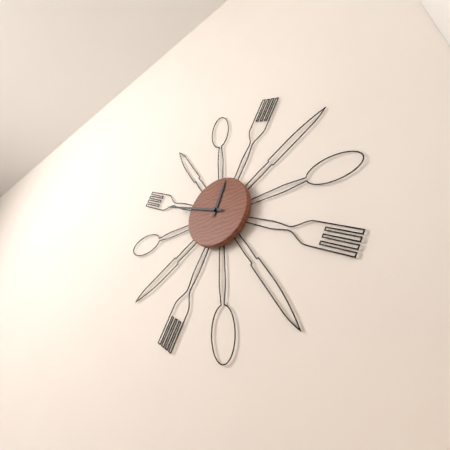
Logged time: h=12 m=49
